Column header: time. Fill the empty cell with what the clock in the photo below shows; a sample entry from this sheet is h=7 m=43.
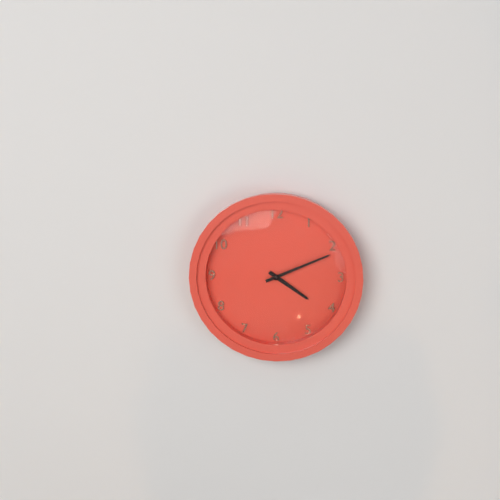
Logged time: h=4 m=11
